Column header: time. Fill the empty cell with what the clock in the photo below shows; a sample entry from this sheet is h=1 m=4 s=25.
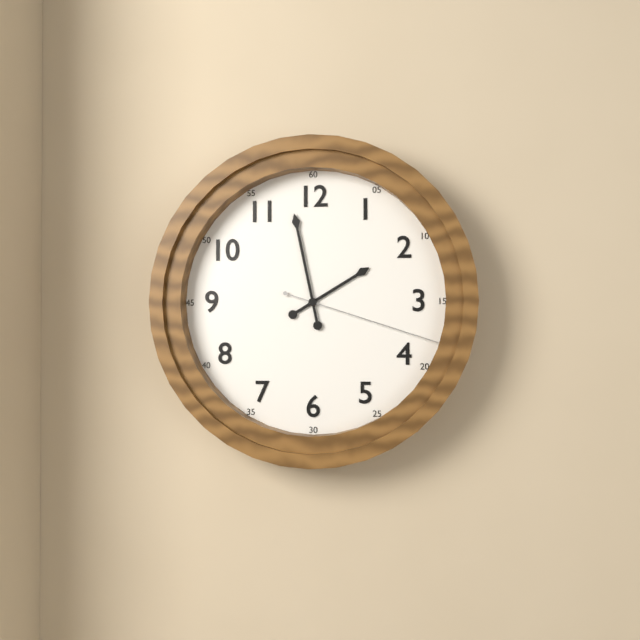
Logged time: h=1 m=58 s=18
